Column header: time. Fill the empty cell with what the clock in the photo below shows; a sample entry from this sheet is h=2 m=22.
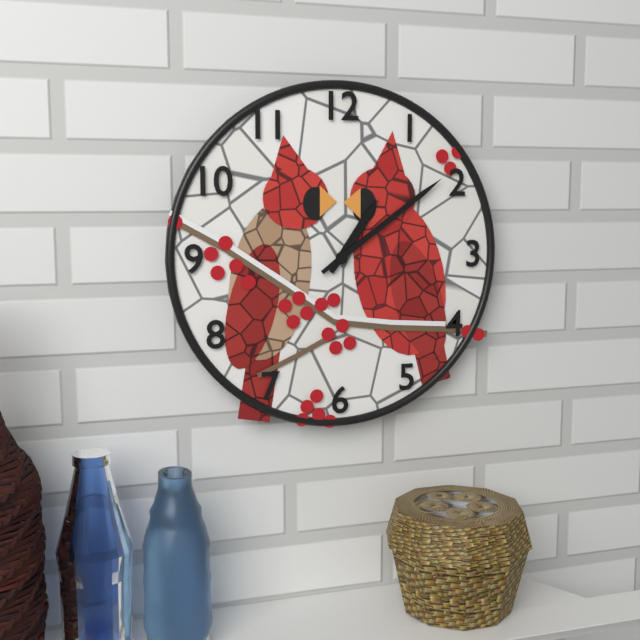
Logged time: h=1 m=9
